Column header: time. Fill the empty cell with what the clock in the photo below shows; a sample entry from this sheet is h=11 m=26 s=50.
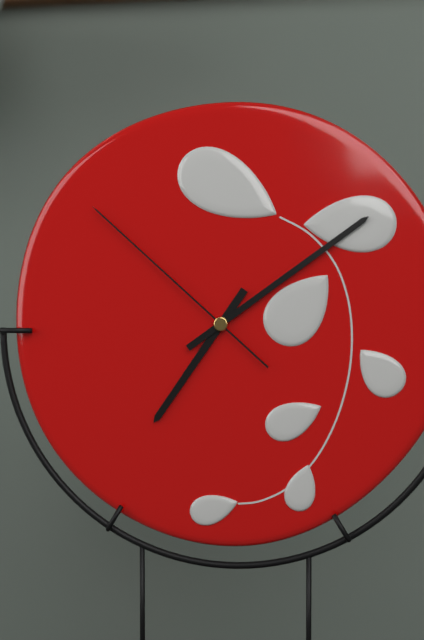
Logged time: h=7 m=9 s=52
